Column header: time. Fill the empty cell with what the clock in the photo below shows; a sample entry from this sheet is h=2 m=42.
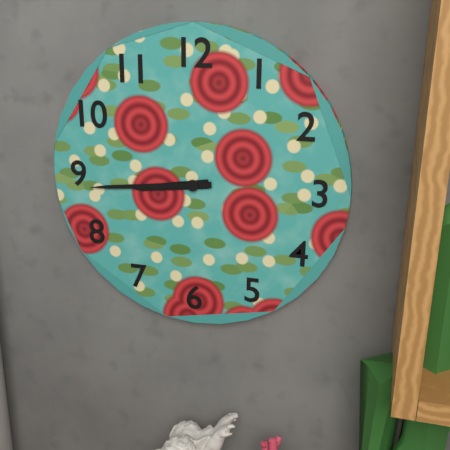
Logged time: h=8 m=44
